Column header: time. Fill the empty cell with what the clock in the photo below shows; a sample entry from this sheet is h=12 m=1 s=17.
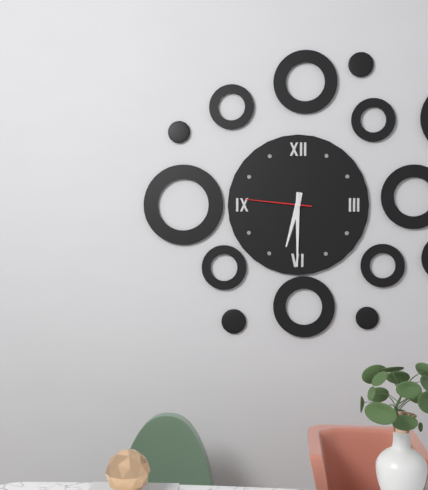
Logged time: h=6 m=30 s=46
